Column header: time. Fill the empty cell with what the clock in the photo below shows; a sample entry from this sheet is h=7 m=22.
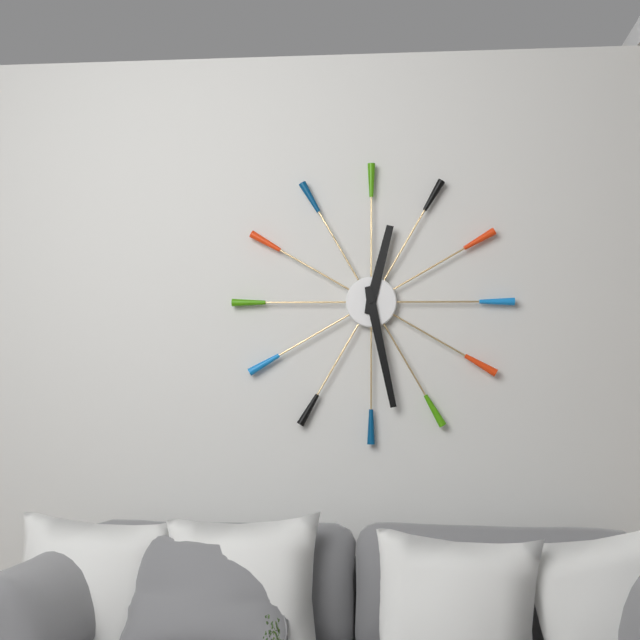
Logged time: h=12 m=28
